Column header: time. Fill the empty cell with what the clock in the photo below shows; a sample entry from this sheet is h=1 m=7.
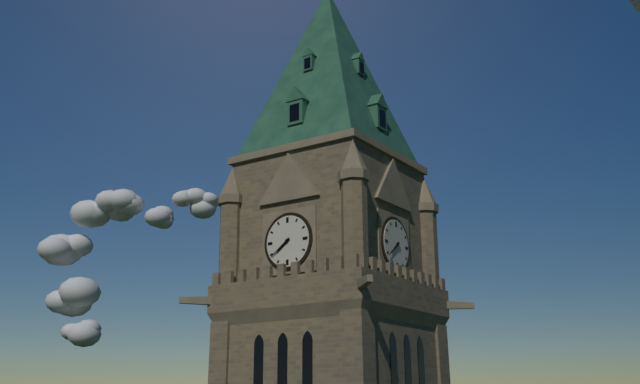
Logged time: h=7 m=39
